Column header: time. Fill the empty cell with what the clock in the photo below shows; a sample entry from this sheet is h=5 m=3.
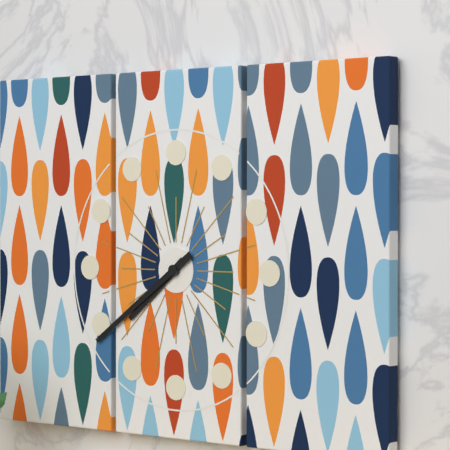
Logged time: h=7 m=39
